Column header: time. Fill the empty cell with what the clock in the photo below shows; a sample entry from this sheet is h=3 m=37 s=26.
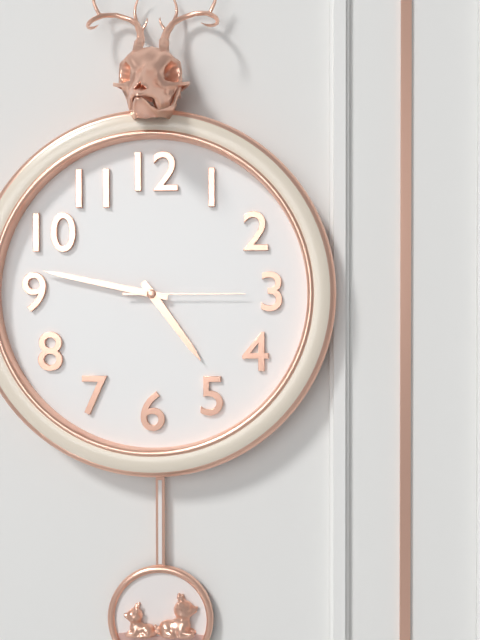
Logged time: h=4 m=47 s=15
